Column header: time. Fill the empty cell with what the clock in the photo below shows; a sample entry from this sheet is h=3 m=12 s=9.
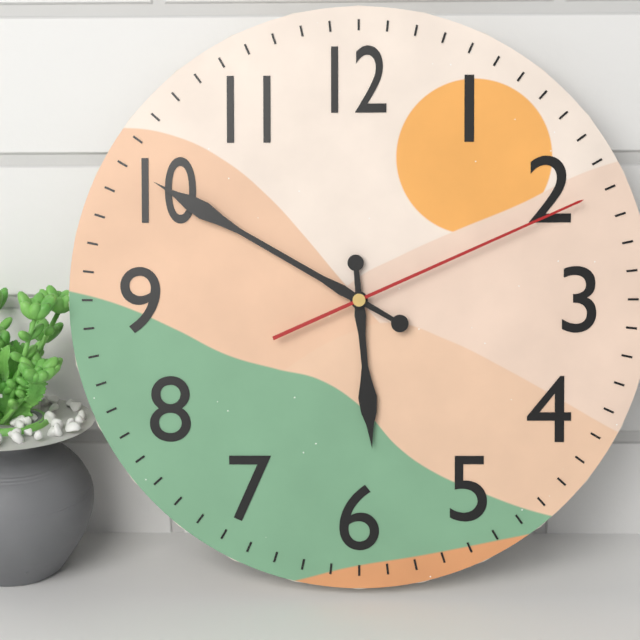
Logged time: h=5 m=50 s=11
